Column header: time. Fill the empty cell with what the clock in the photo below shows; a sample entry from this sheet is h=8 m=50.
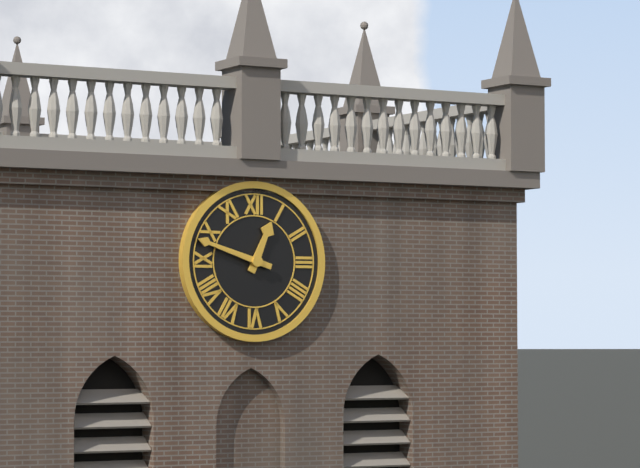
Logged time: h=12 m=48
